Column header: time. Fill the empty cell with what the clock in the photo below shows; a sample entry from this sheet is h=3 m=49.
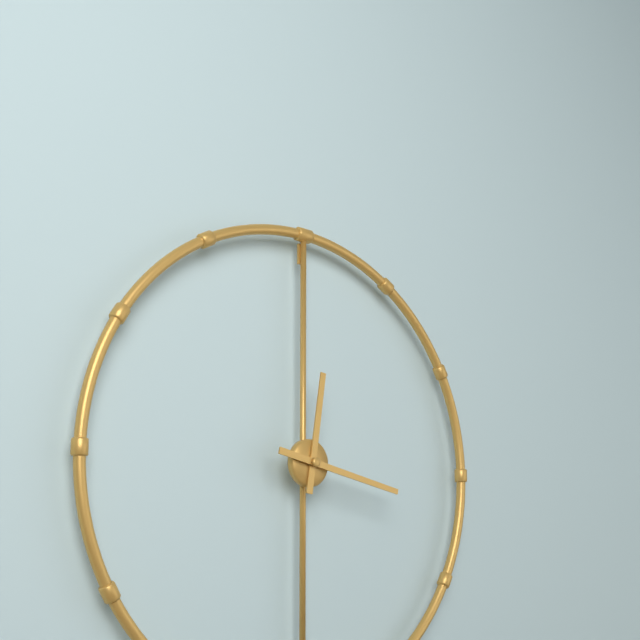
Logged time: h=12 m=17
